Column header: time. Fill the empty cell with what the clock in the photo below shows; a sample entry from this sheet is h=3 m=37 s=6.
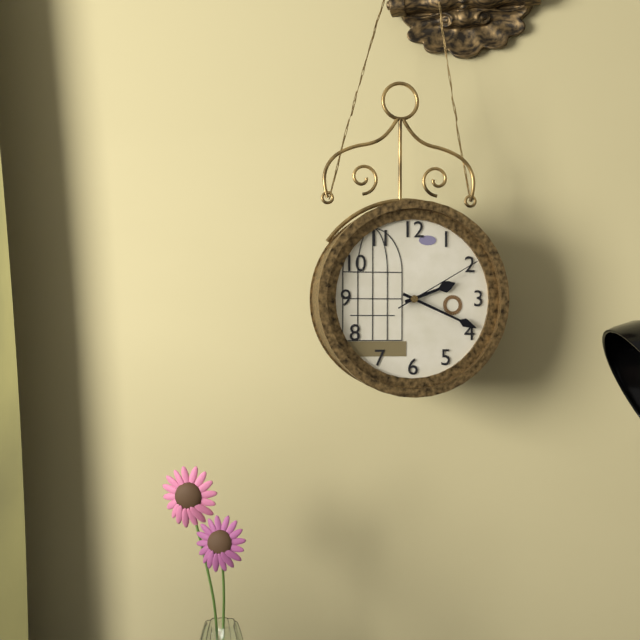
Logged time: h=2 m=19 s=10
